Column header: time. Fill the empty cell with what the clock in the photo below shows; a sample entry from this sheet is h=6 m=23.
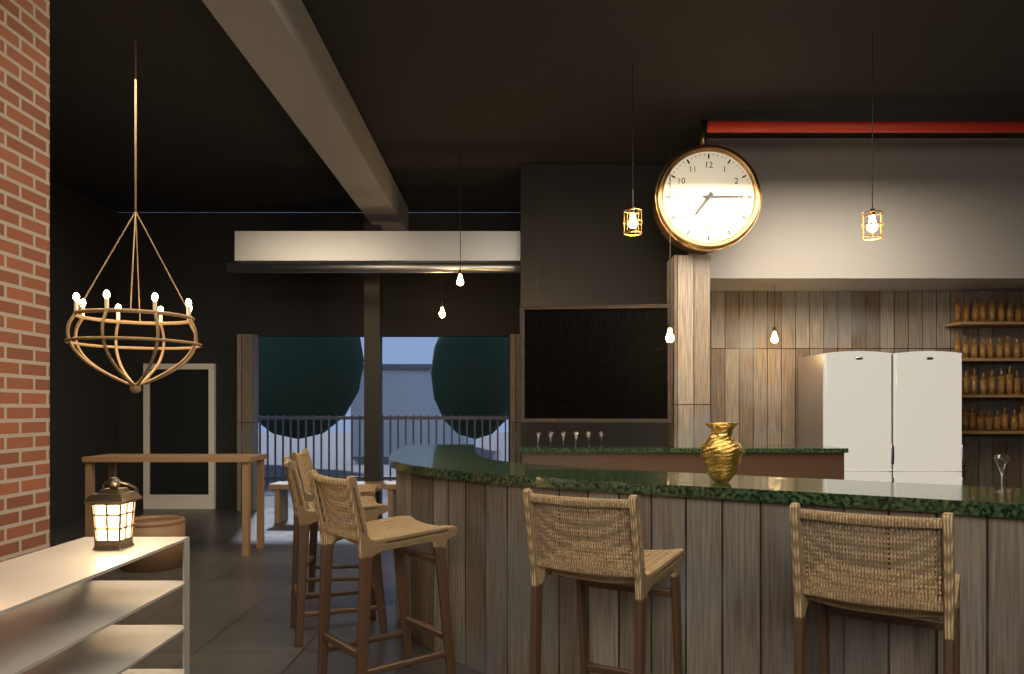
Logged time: h=7 m=15
